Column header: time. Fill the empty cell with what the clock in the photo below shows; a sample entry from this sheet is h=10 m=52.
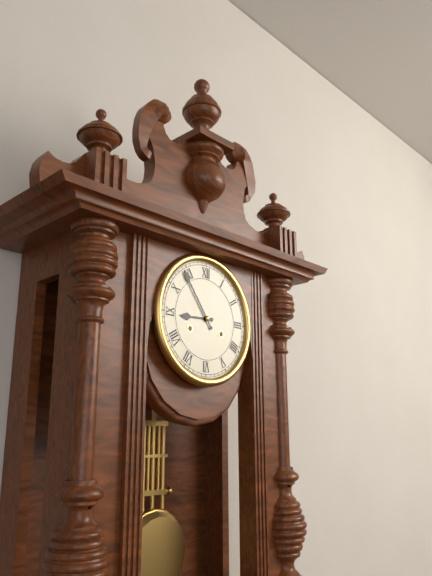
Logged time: h=8 m=54
